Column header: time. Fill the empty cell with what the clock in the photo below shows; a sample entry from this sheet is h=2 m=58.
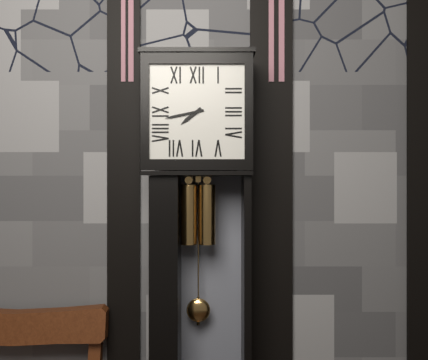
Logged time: h=7 m=43
